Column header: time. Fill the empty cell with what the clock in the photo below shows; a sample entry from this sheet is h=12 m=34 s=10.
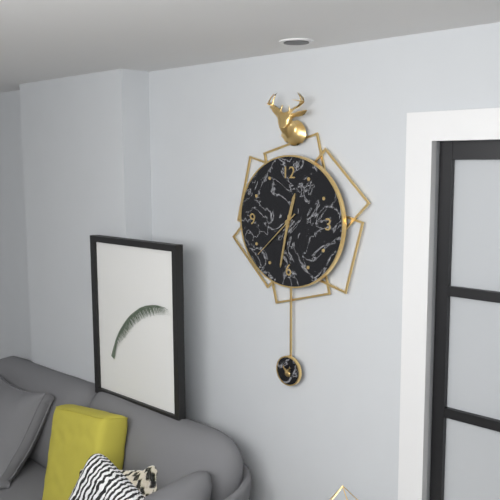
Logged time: h=12 m=32 s=38
